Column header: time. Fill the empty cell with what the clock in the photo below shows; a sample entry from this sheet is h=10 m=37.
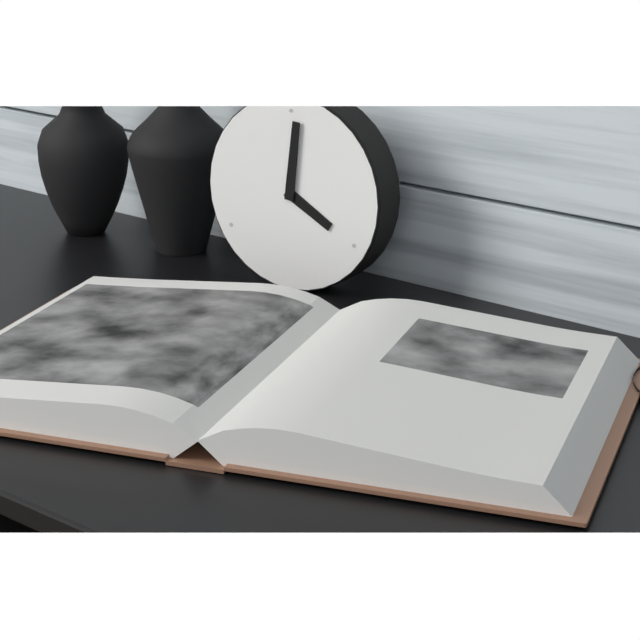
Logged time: h=4 m=1
